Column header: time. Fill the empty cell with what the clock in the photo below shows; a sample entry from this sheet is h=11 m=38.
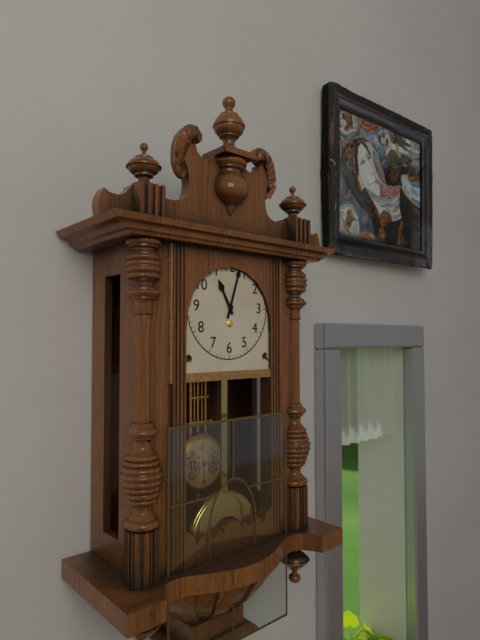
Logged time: h=11 m=3
